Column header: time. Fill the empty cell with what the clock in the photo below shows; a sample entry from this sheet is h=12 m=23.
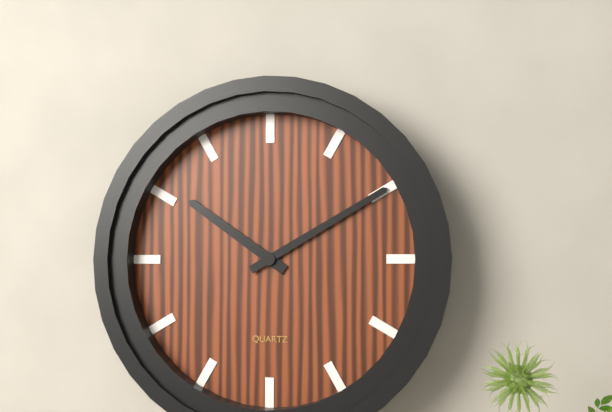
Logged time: h=10 m=10
